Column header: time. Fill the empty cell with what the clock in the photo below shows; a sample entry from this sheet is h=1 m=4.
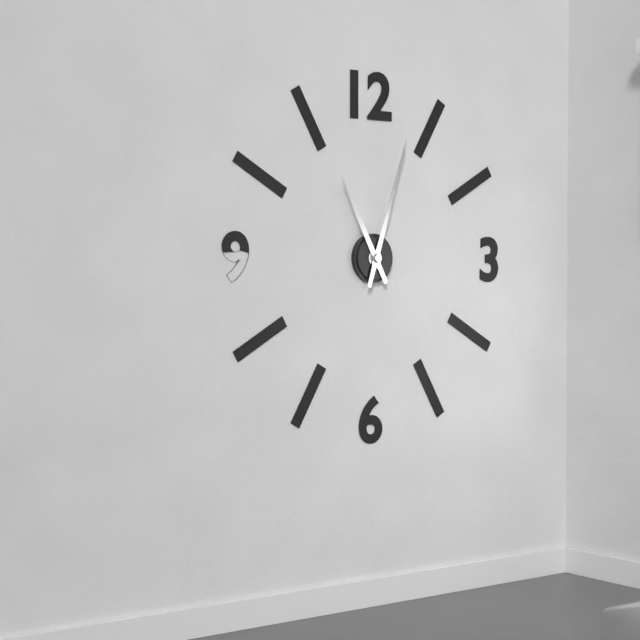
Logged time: h=11 m=3
